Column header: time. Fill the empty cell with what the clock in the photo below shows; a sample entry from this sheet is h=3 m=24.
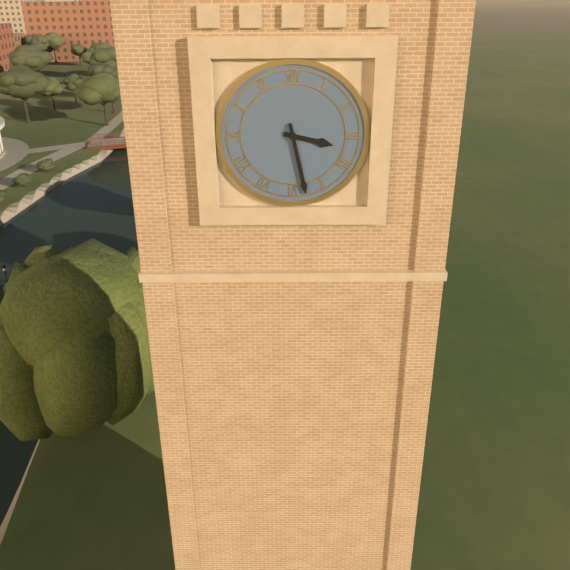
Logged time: h=3 m=28
